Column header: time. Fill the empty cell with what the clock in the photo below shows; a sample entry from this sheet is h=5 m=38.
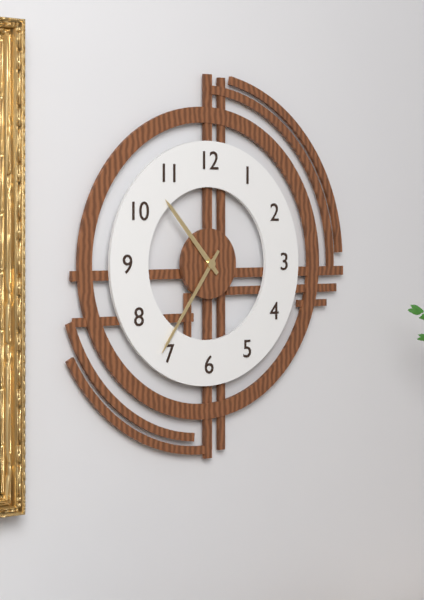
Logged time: h=10 m=36
